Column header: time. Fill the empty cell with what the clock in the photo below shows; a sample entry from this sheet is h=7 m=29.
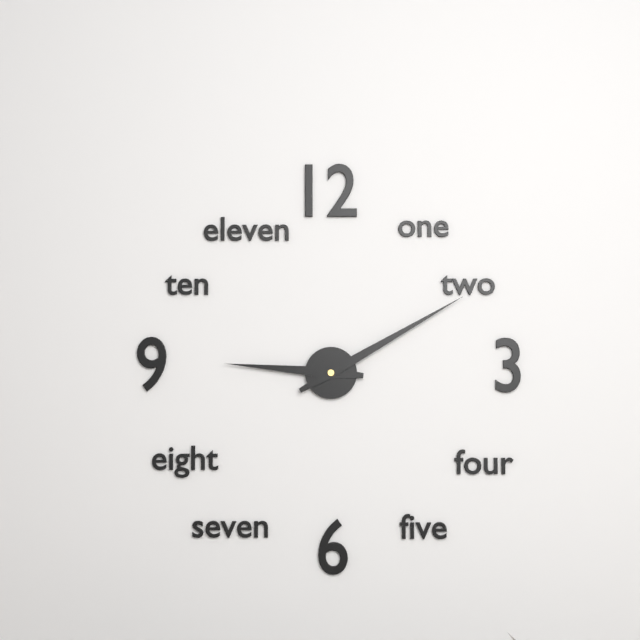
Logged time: h=9 m=10
